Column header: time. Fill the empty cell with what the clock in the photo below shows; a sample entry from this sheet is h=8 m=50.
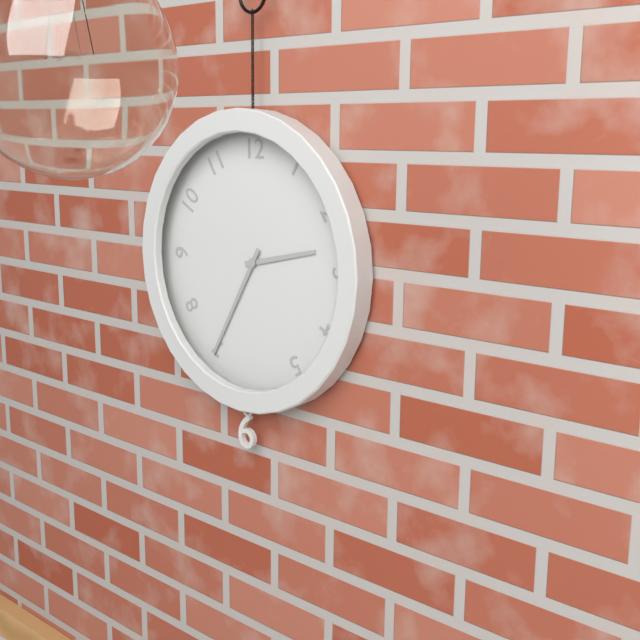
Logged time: h=2 m=35
